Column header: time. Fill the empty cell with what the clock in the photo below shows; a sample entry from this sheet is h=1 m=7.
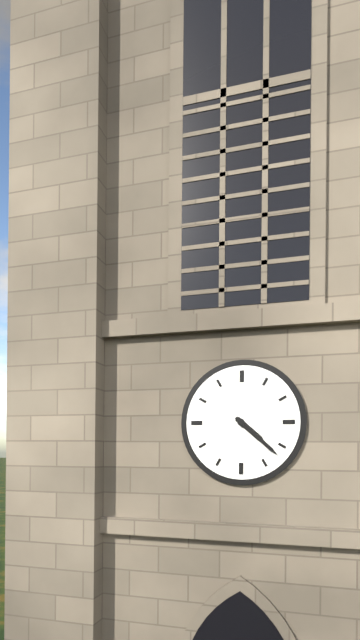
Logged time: h=4 m=22
